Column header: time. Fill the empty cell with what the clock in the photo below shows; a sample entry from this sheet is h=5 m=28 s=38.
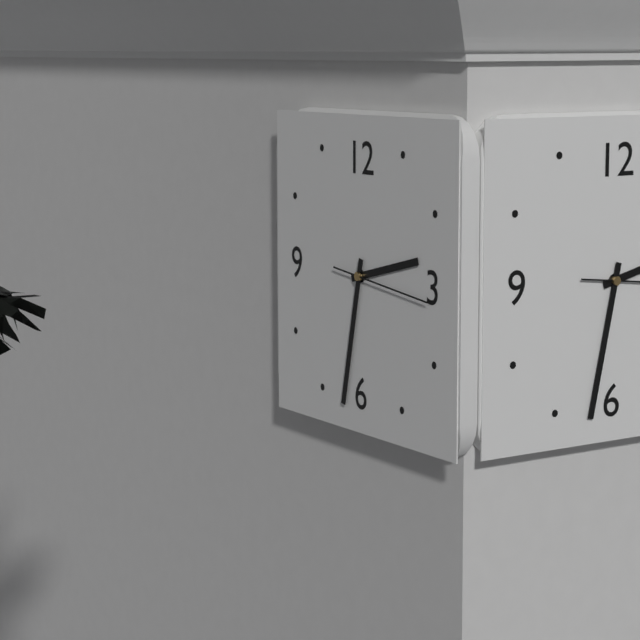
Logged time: h=2 m=32 s=16
